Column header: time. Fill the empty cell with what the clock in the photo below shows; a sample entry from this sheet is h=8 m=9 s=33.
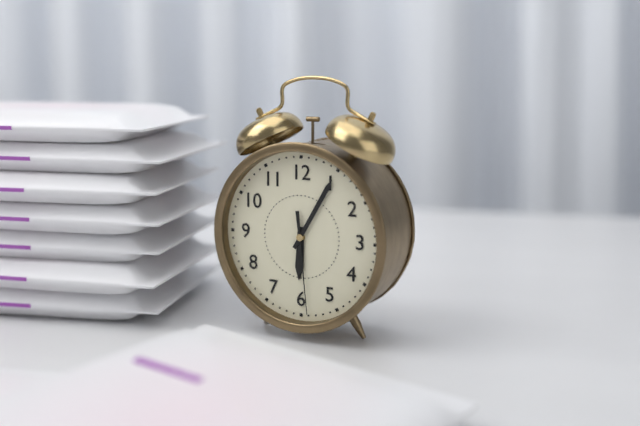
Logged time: h=6 m=5 s=29
